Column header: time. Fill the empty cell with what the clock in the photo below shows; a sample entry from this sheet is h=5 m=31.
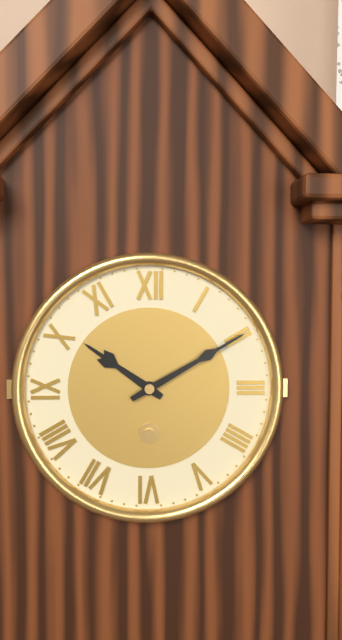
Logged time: h=10 m=10
